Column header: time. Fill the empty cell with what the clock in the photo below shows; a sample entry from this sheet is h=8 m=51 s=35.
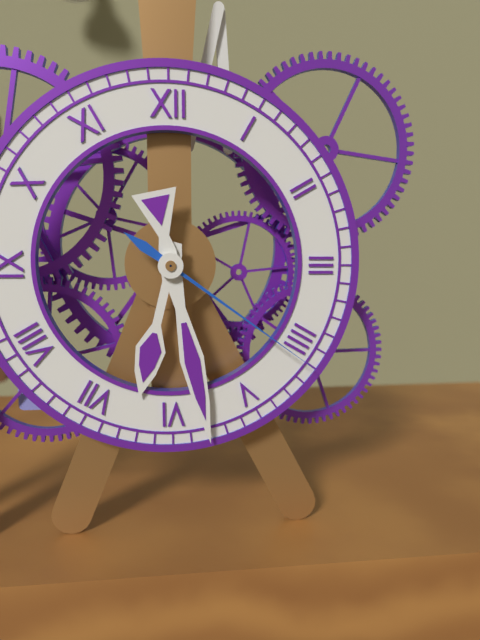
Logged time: h=6 m=28 s=21
